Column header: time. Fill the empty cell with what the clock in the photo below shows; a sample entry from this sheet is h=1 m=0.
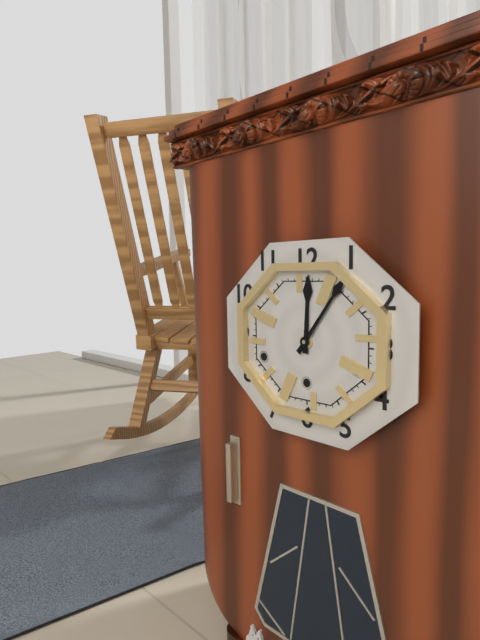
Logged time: h=12 m=6
